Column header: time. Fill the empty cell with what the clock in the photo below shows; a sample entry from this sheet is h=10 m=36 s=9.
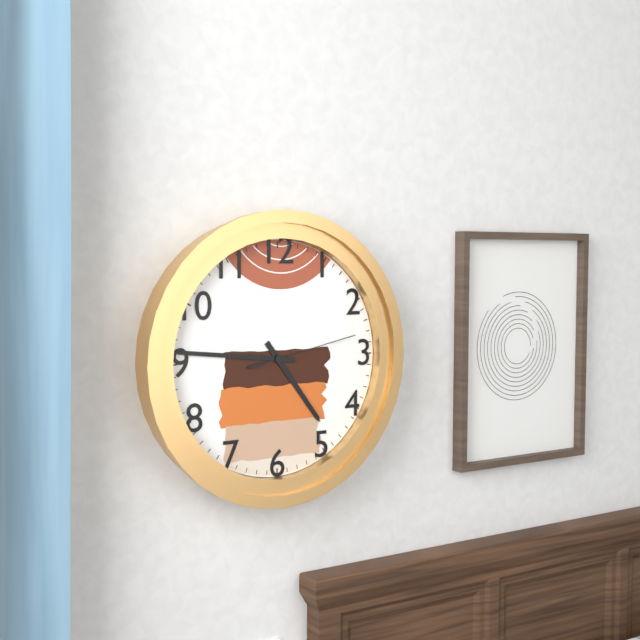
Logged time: h=4 m=46 s=13
